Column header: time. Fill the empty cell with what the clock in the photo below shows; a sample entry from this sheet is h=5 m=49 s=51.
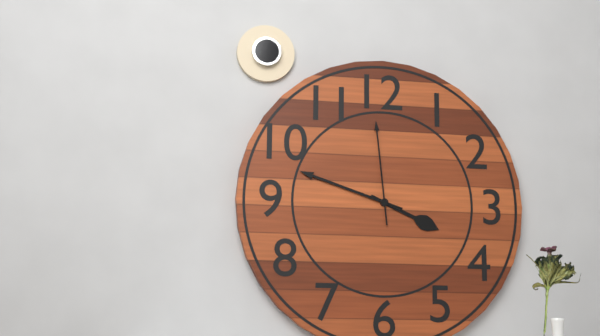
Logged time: h=3 m=48 s=59
